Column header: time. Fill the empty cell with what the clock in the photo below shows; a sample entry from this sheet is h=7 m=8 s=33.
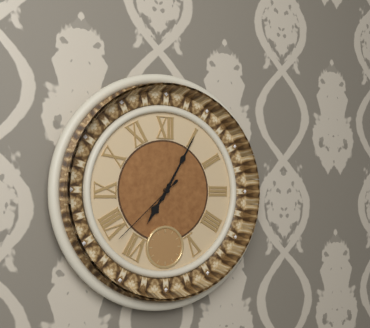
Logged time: h=7 m=5 s=38
